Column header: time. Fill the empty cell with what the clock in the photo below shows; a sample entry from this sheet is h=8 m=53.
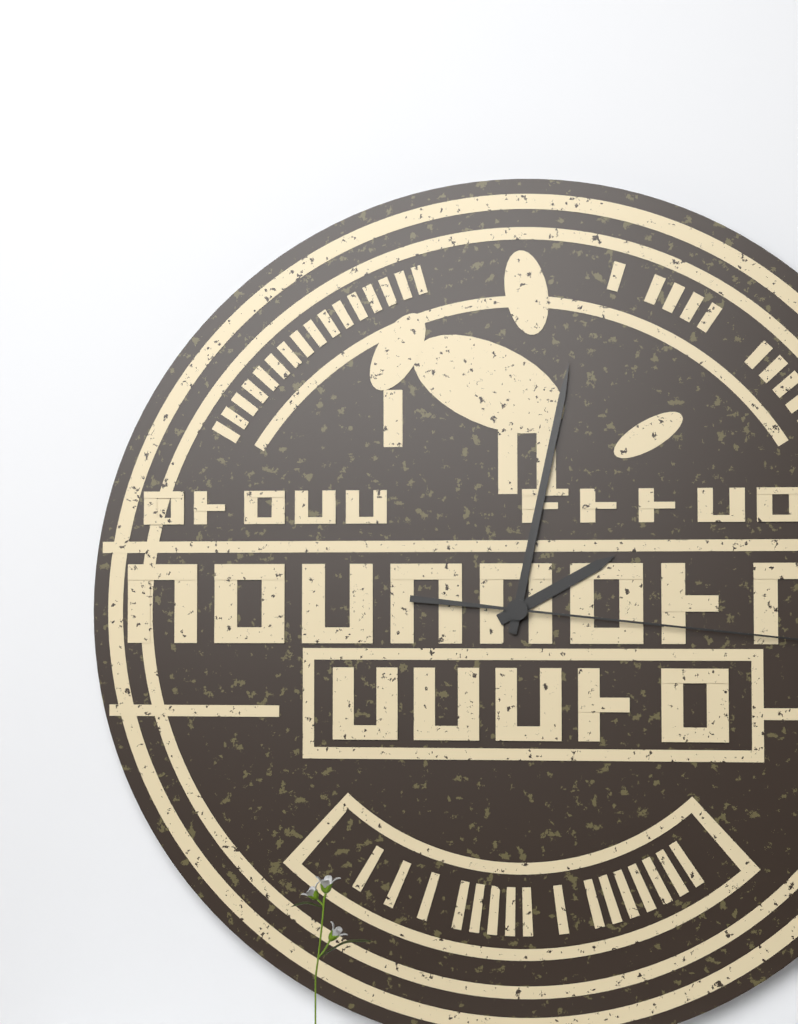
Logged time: h=2 m=2
